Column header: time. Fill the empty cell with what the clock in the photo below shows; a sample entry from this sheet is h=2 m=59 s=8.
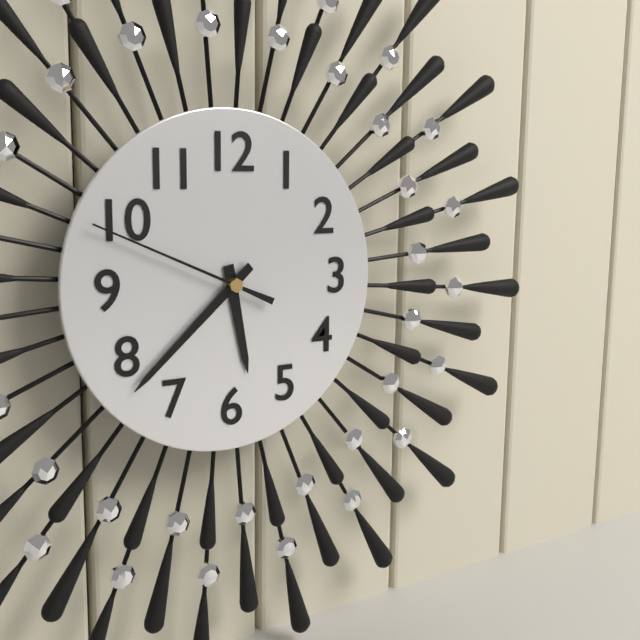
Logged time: h=5 m=38 s=49
